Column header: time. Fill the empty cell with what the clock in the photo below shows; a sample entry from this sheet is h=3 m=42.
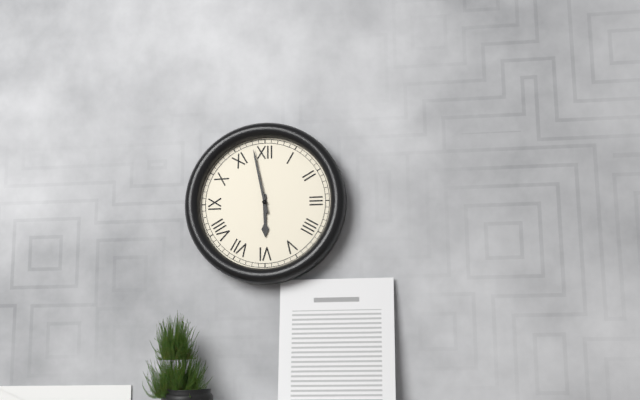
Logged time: h=5 m=58
